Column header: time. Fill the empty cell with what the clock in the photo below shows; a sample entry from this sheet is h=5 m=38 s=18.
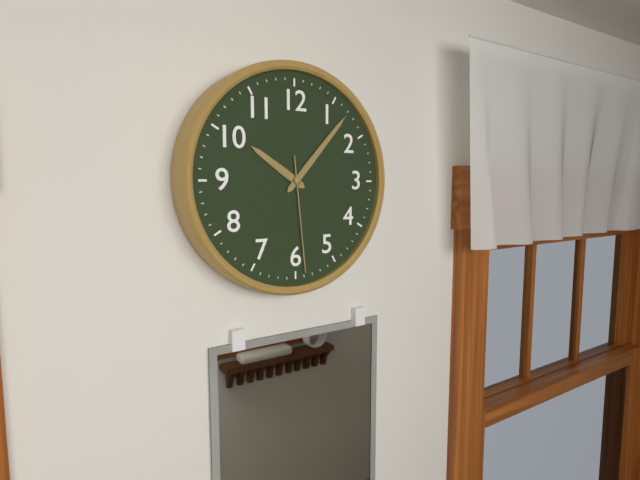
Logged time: h=10 m=7 s=29
